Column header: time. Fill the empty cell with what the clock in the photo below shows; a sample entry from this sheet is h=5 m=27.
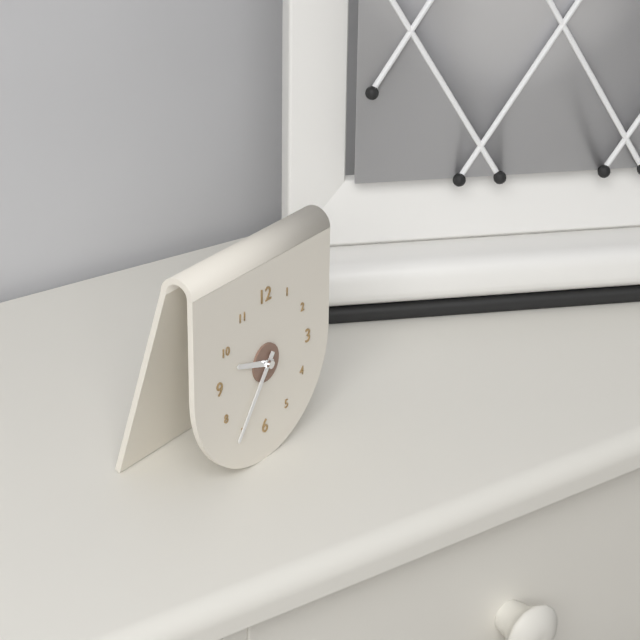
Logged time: h=9 m=36
